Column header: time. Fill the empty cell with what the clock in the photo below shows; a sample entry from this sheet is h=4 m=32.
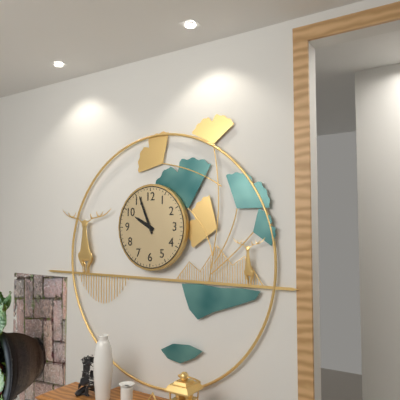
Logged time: h=9 m=56
